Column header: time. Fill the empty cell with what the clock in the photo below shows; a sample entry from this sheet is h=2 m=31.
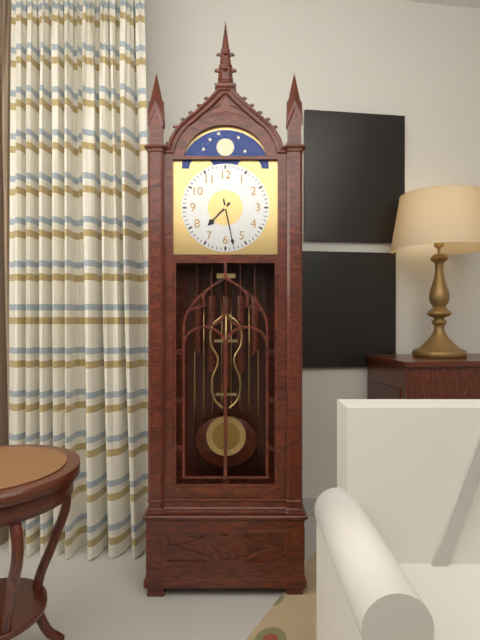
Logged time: h=7 m=28
